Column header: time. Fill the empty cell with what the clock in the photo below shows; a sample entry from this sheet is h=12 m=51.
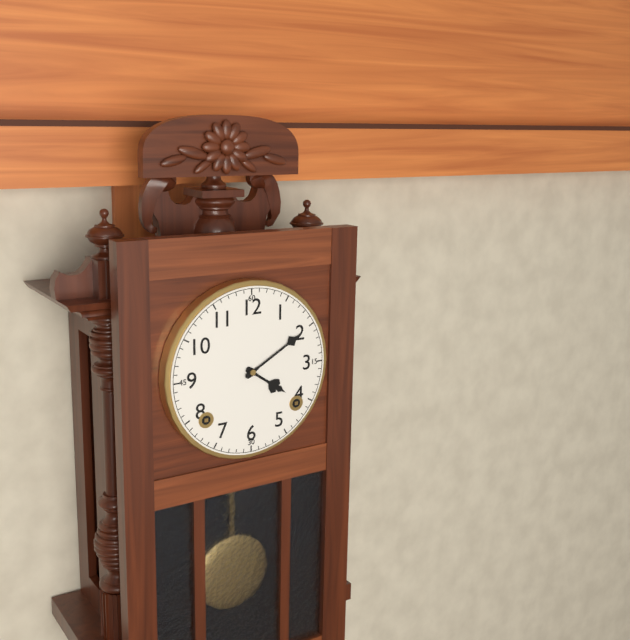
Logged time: h=4 m=10
